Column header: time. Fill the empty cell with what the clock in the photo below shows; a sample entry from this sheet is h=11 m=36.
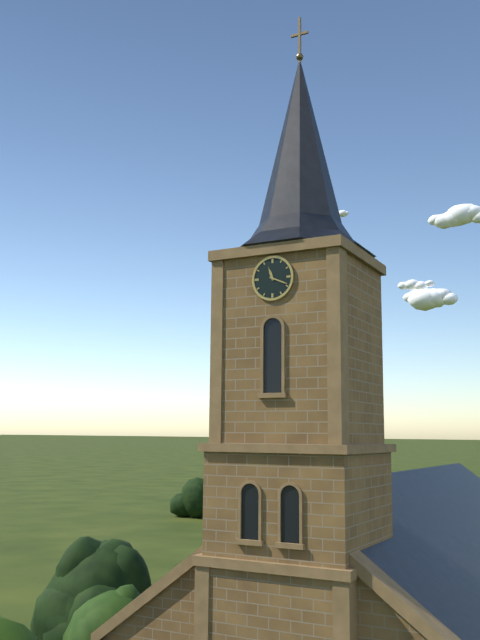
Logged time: h=11 m=19
